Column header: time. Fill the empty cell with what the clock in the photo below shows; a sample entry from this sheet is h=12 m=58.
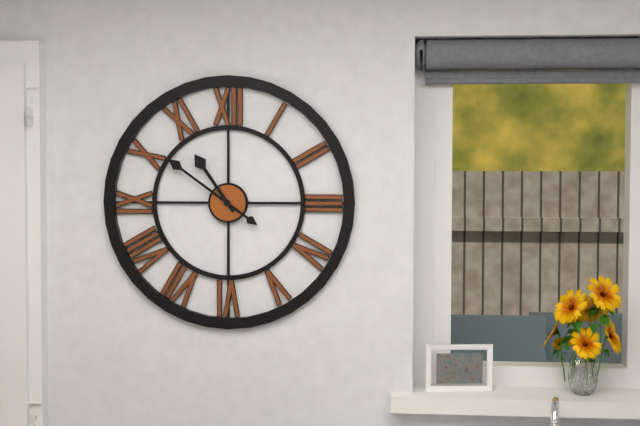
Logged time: h=10 m=51
